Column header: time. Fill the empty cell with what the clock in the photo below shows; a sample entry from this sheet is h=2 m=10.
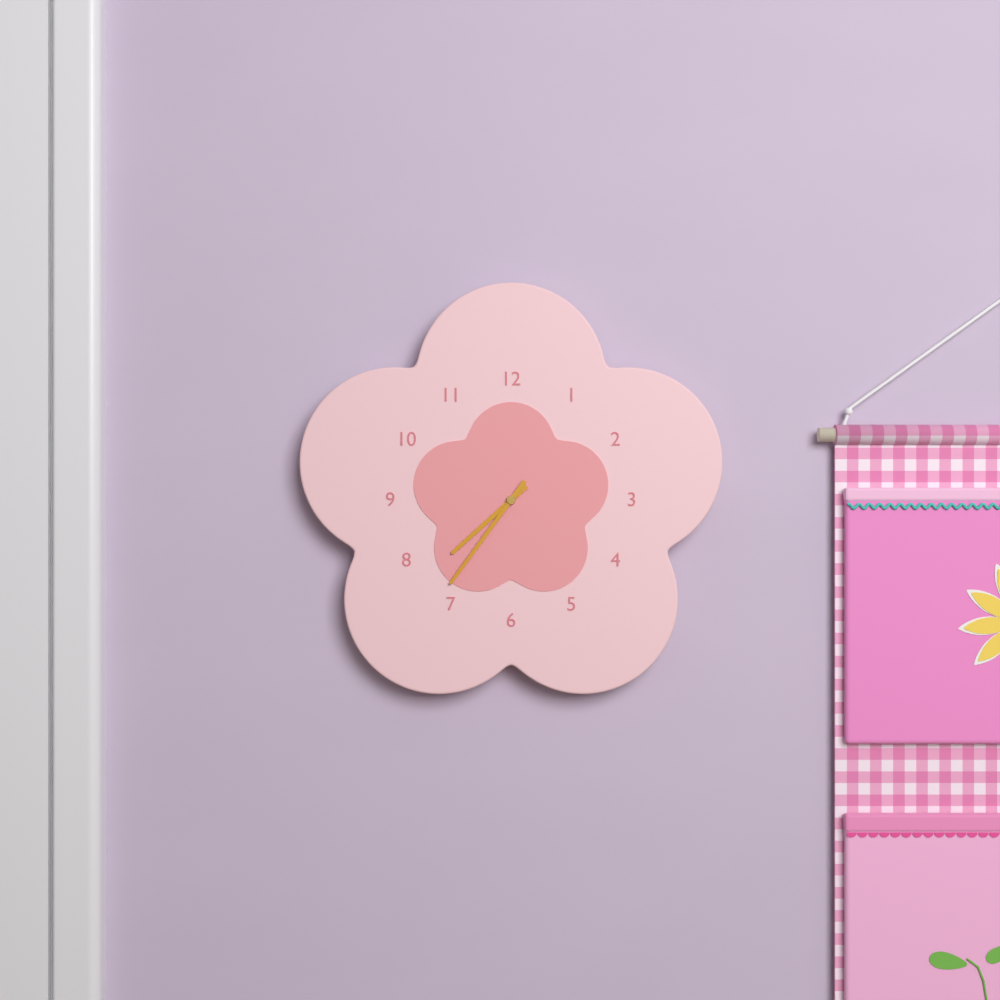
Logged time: h=7 m=36
